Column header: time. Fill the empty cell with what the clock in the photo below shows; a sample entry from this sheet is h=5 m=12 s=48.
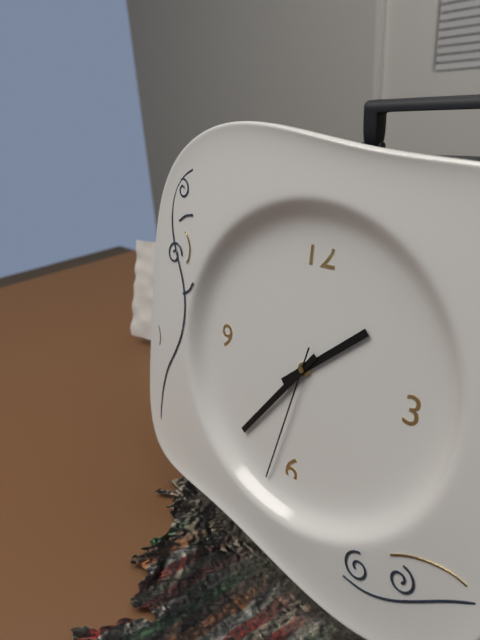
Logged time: h=1 m=36 s=32
